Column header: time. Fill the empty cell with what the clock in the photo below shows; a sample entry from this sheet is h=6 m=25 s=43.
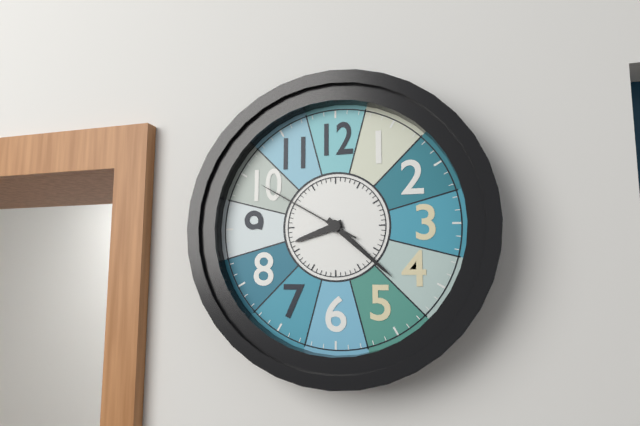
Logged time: h=8 m=22 s=50
